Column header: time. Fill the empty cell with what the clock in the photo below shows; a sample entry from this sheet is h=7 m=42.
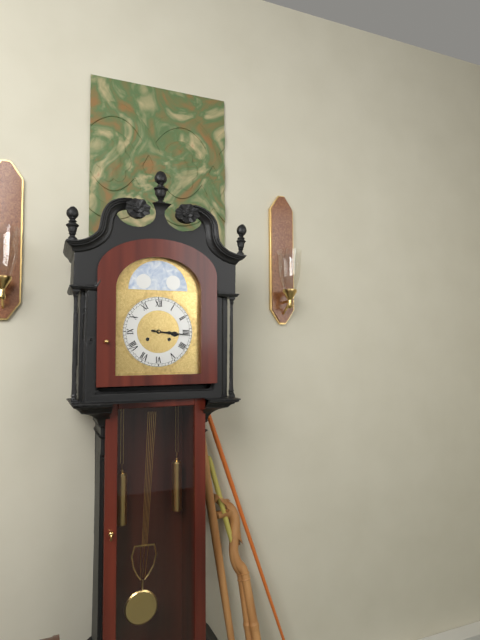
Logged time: h=3 m=16
